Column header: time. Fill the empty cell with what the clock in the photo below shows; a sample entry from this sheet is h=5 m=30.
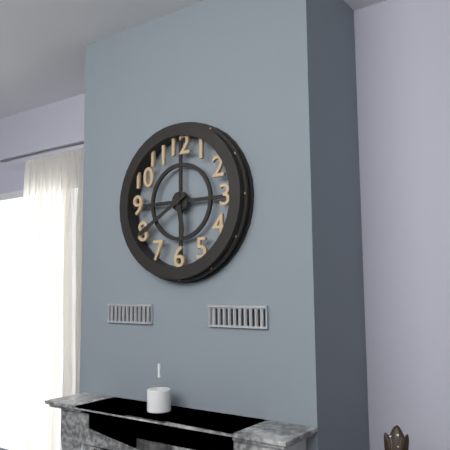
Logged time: h=5 m=40
